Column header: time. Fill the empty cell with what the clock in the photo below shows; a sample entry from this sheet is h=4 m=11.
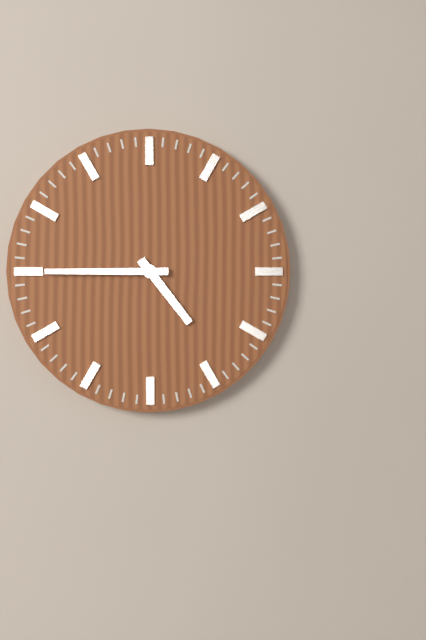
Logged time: h=4 m=45
